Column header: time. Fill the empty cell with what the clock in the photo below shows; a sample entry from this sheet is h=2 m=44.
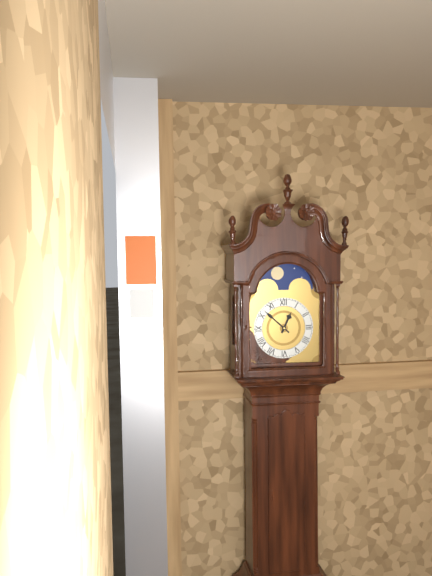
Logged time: h=12 m=52
